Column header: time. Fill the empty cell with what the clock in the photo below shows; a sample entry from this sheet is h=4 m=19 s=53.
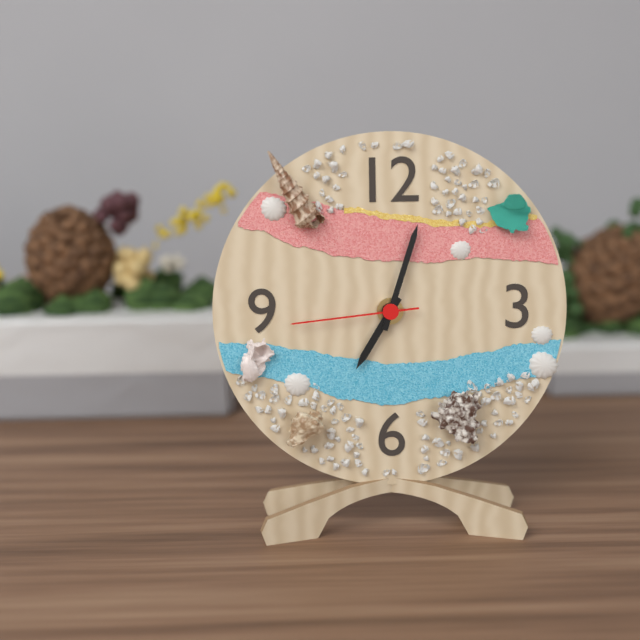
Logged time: h=7 m=3 s=44
